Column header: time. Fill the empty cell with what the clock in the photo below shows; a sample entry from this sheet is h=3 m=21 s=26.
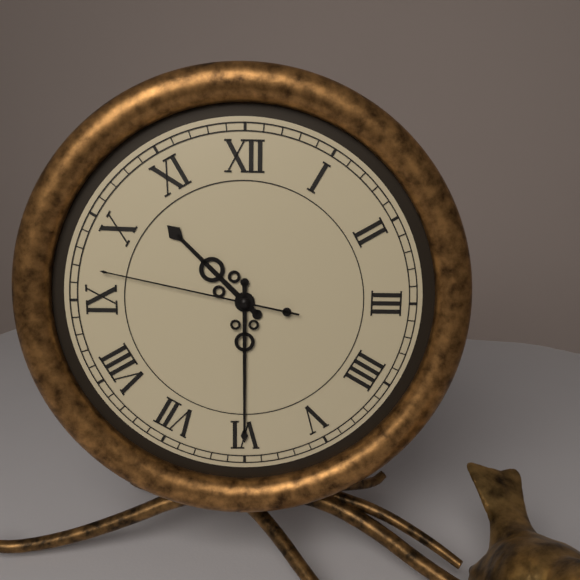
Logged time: h=10 m=30 s=47
